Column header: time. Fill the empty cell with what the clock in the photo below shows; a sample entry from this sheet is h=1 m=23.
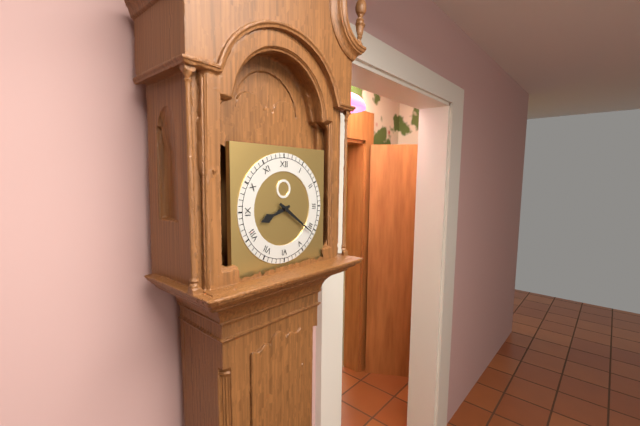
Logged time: h=8 m=21
